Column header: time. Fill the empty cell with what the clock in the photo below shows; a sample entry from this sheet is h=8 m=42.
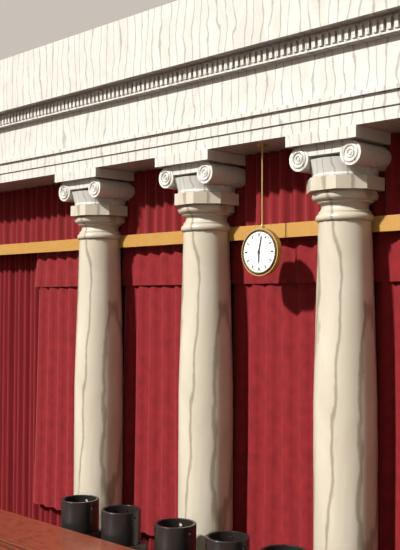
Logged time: h=6 m=2
